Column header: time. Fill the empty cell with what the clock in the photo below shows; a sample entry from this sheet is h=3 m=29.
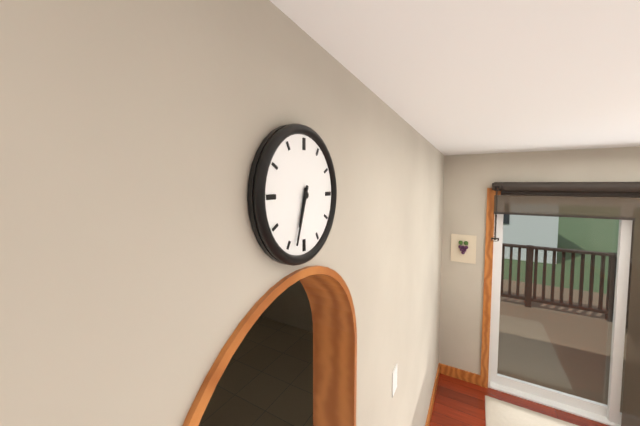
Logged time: h=6 m=33
